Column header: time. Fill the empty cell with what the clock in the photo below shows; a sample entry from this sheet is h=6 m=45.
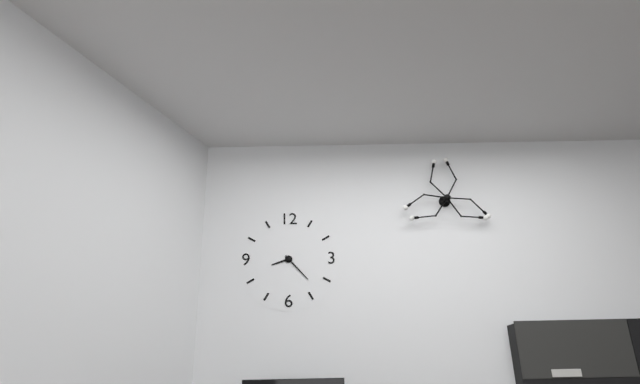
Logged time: h=8 m=23
